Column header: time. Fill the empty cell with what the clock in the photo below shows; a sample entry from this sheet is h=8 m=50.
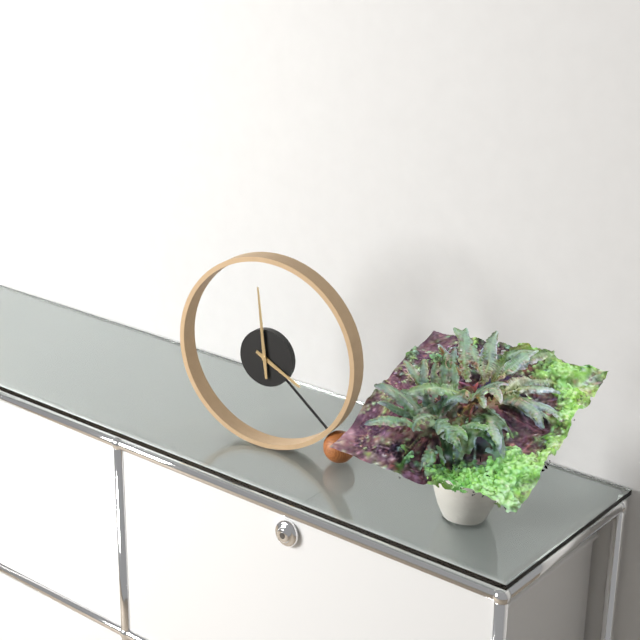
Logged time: h=3 m=59
